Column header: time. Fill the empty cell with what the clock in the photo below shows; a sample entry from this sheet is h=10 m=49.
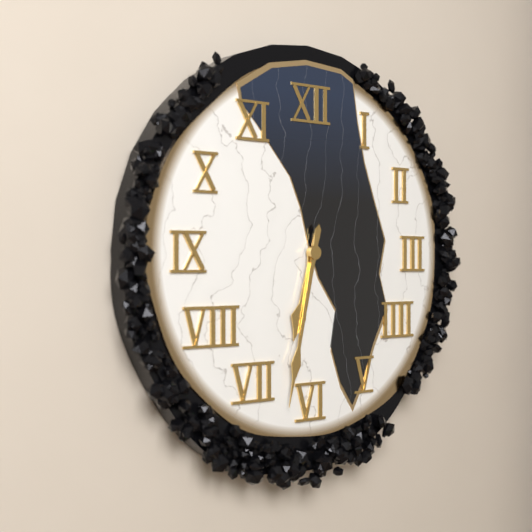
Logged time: h=6 m=32
